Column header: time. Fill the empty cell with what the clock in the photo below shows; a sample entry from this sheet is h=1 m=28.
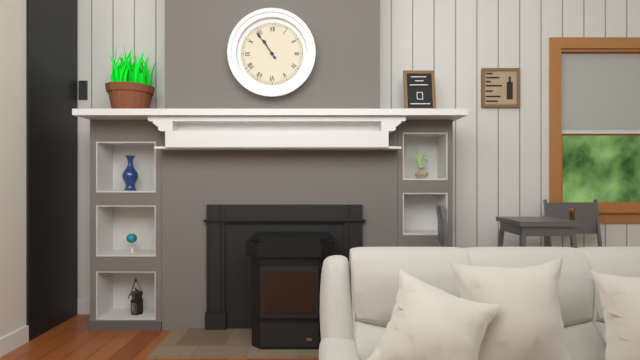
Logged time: h=10 m=54
